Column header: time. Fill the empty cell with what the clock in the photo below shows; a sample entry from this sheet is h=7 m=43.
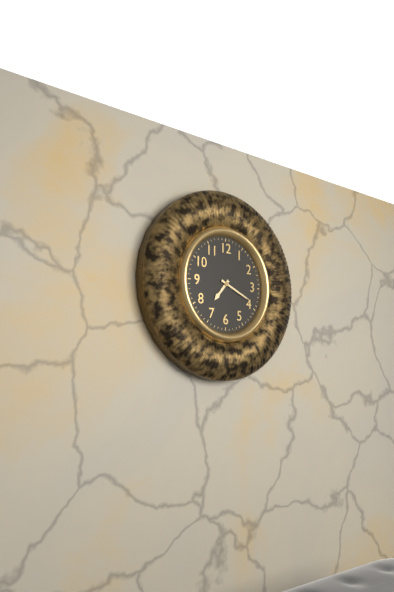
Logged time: h=7 m=19
